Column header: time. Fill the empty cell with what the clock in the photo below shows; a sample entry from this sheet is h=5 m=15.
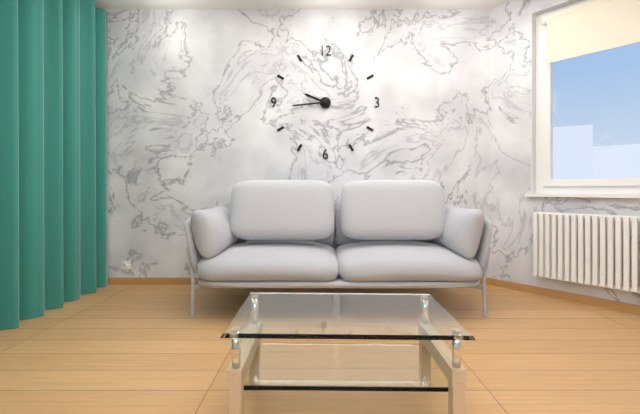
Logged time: h=9 m=44
